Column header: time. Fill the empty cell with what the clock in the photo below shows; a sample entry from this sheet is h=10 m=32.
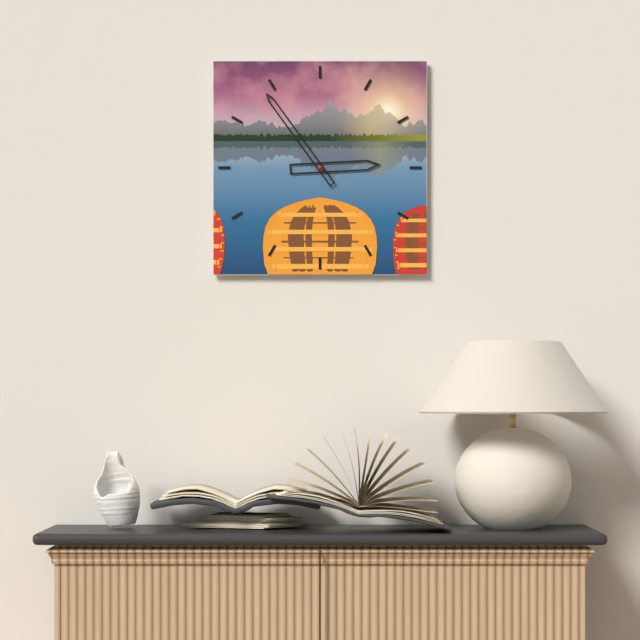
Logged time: h=2 m=54
